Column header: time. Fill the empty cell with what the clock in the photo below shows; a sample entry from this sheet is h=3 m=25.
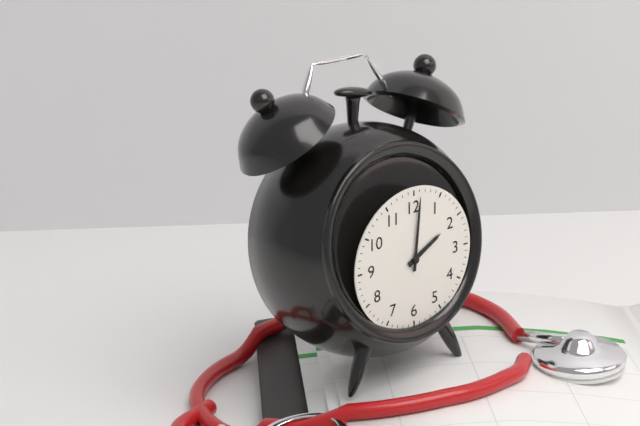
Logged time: h=2 m=1
